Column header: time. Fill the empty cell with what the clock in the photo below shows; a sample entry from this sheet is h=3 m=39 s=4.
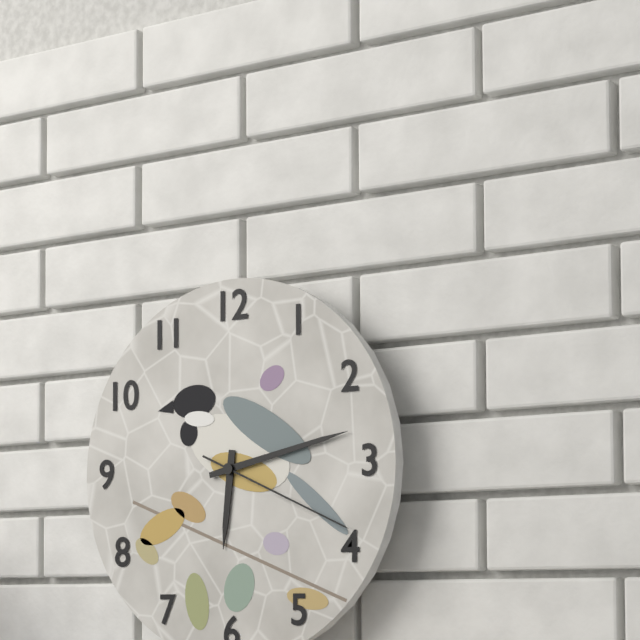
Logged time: h=6 m=13 s=19
